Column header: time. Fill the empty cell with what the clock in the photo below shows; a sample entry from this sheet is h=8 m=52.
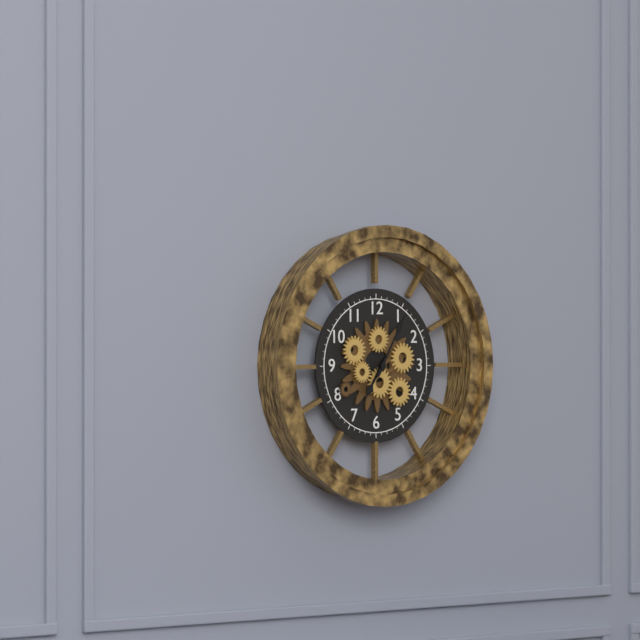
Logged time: h=7 m=5
